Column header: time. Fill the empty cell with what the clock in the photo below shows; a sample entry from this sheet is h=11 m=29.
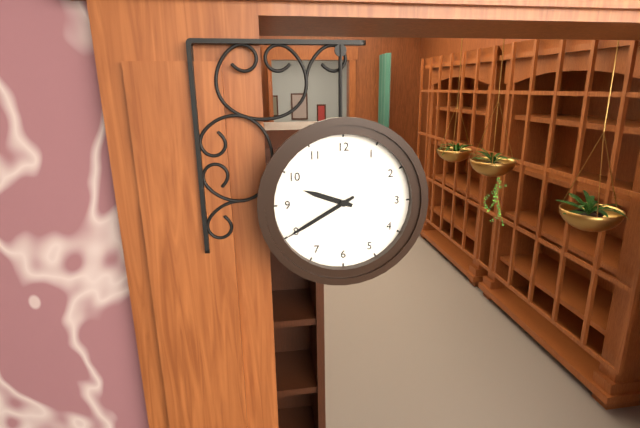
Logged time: h=9 m=40
